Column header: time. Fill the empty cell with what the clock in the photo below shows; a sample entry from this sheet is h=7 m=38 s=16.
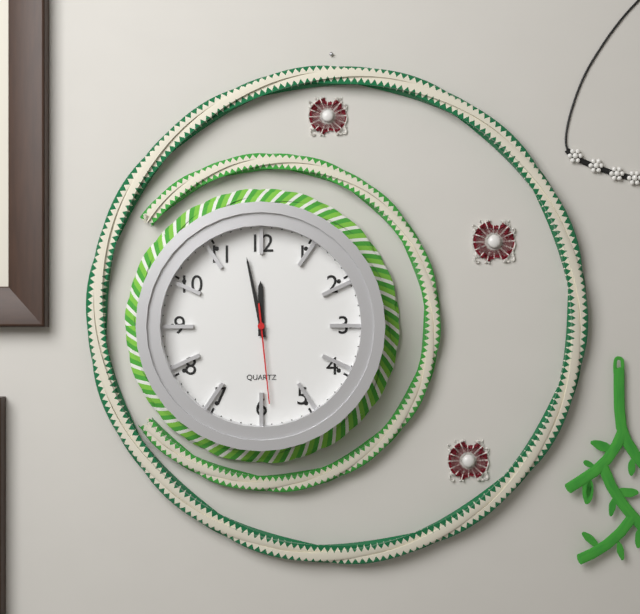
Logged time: h=11 m=58 s=29
